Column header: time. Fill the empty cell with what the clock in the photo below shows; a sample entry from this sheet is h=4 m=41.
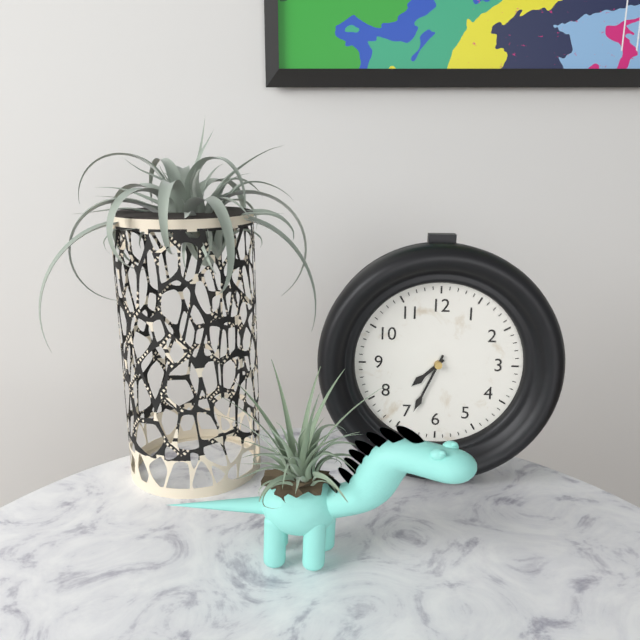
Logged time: h=7 m=34
